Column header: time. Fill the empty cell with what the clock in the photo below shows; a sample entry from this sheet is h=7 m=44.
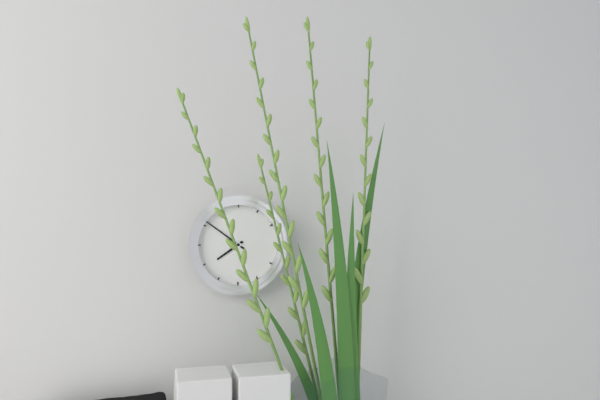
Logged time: h=7 m=51
